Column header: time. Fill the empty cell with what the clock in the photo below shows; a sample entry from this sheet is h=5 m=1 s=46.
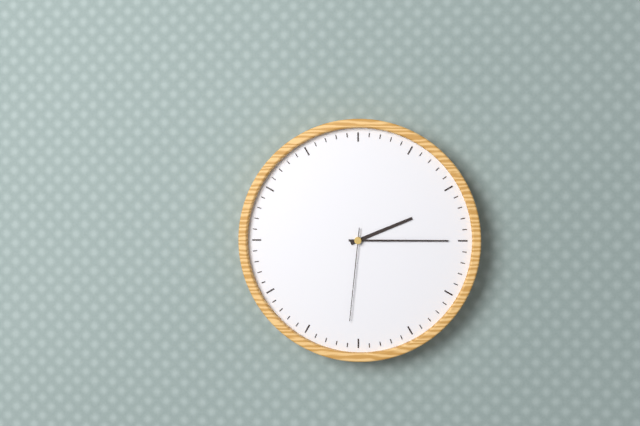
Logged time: h=2 m=15 s=31
